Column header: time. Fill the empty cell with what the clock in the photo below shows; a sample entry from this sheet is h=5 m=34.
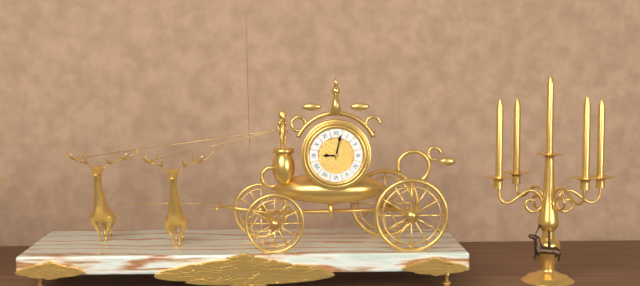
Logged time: h=9 m=2
